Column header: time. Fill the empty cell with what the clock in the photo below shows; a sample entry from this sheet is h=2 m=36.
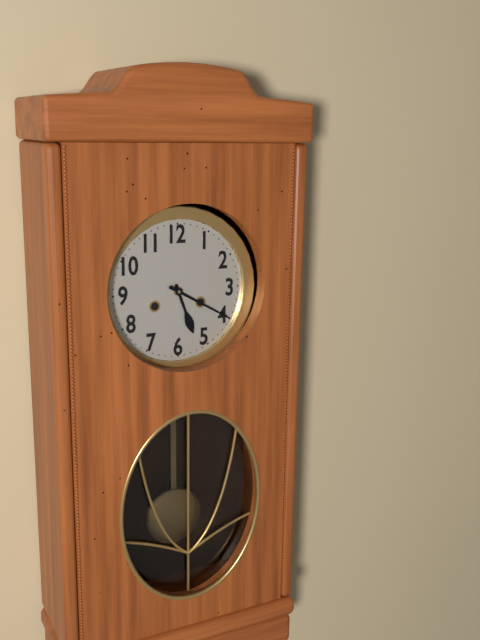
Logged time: h=5 m=20
